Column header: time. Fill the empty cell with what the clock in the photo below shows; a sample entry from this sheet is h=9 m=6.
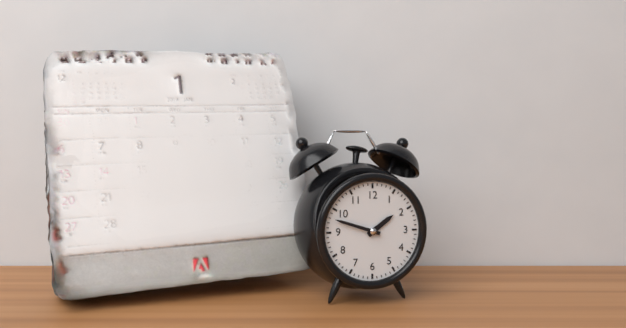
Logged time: h=1 m=48
